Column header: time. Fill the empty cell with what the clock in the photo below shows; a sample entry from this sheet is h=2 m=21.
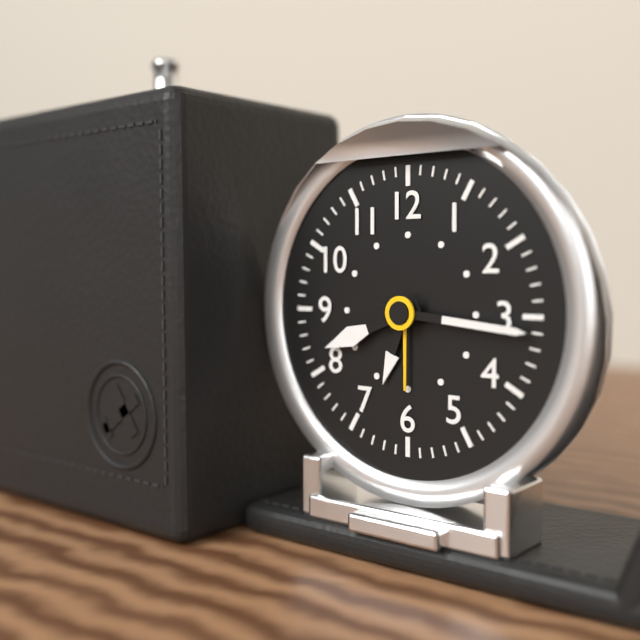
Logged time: h=8 m=16
